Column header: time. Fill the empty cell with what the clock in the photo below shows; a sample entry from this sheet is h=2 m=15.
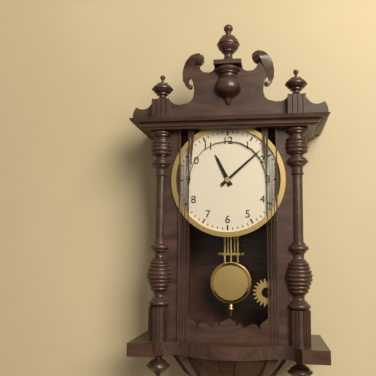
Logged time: h=11 m=8
